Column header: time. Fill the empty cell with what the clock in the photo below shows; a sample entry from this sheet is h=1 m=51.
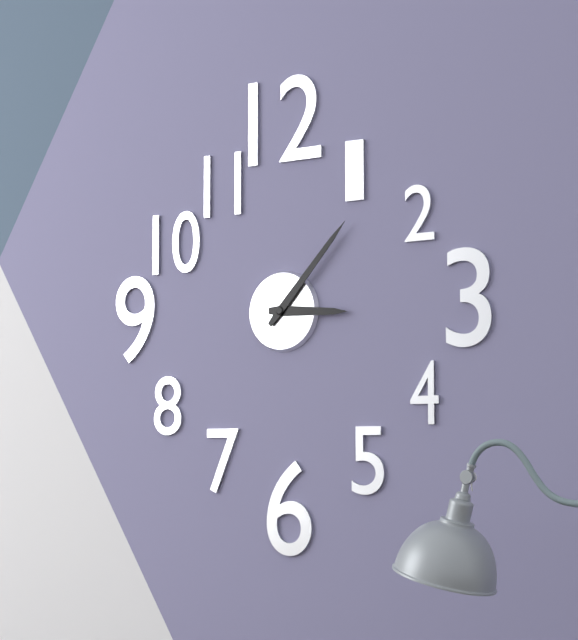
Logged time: h=3 m=7
